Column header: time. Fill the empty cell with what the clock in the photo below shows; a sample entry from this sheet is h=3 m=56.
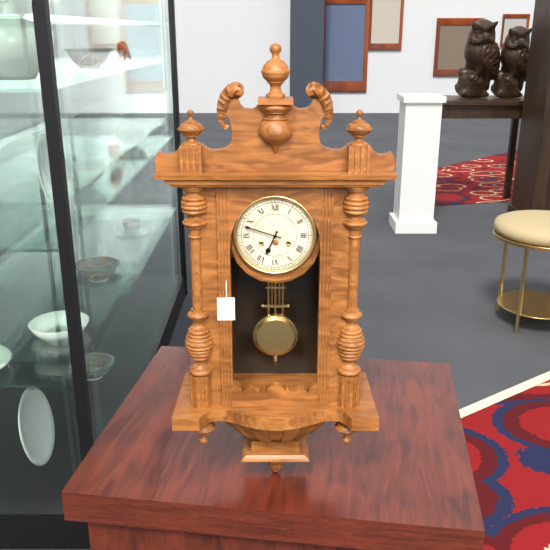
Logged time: h=6 m=48
